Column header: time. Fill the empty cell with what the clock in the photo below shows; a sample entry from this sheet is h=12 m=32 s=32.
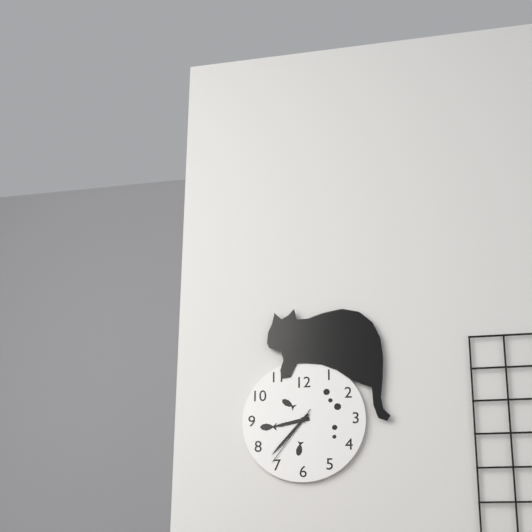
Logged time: h=8 m=37 s=36
